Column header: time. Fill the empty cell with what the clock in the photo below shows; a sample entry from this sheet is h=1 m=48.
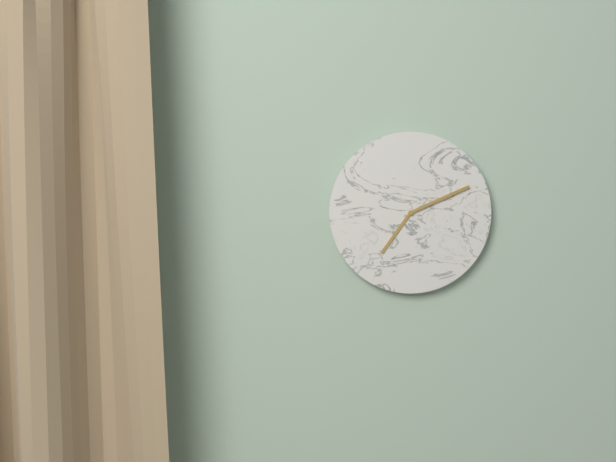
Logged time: h=7 m=11
